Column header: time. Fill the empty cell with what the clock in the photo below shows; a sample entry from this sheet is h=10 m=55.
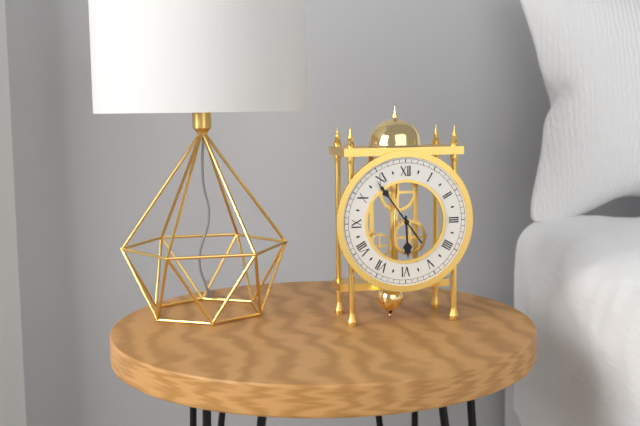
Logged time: h=5 m=54
